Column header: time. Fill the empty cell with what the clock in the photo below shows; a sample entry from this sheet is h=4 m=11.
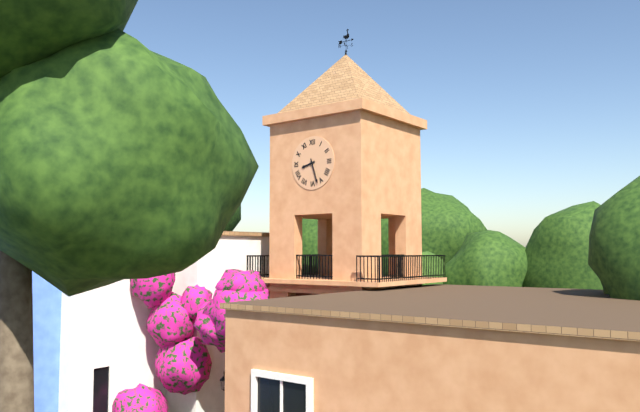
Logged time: h=8 m=27
